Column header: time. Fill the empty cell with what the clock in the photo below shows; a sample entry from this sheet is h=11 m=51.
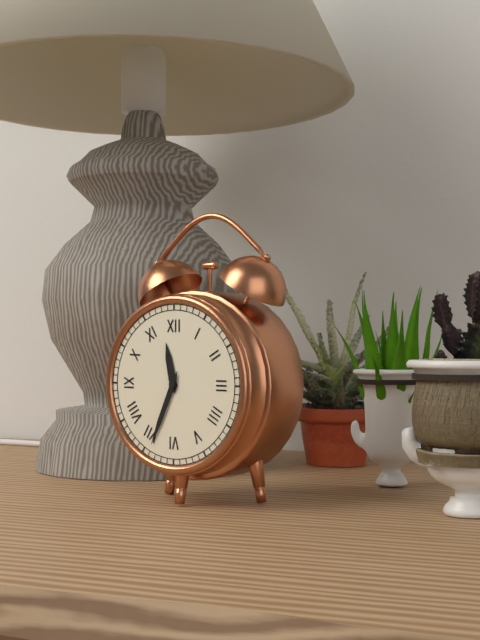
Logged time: h=11 m=34
